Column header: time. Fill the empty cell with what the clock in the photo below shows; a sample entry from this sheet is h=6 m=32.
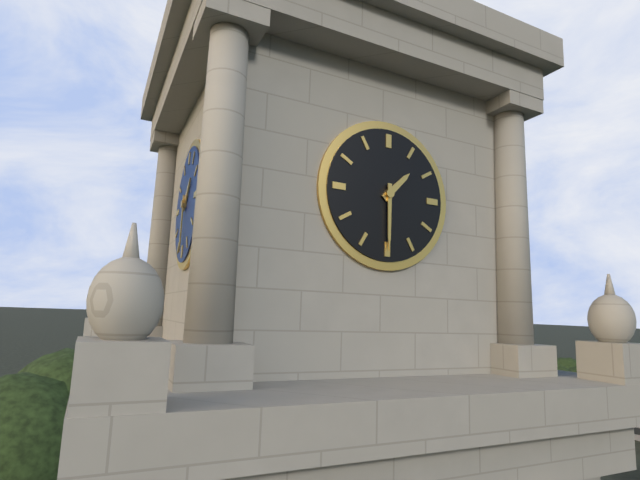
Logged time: h=1 m=30
